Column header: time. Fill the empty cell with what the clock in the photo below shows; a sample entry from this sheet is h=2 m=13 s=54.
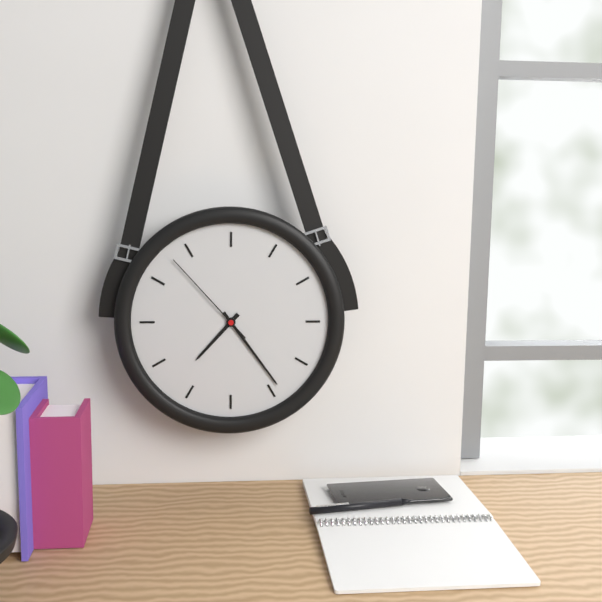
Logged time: h=7 m=24 s=53
